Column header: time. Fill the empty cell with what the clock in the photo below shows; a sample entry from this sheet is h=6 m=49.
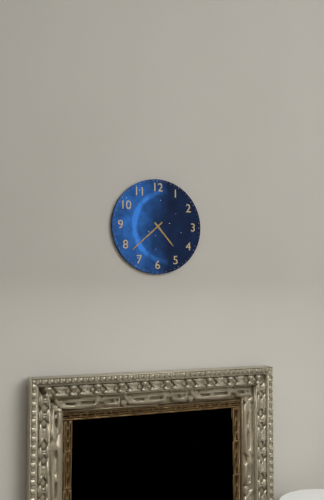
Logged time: h=4 m=38
